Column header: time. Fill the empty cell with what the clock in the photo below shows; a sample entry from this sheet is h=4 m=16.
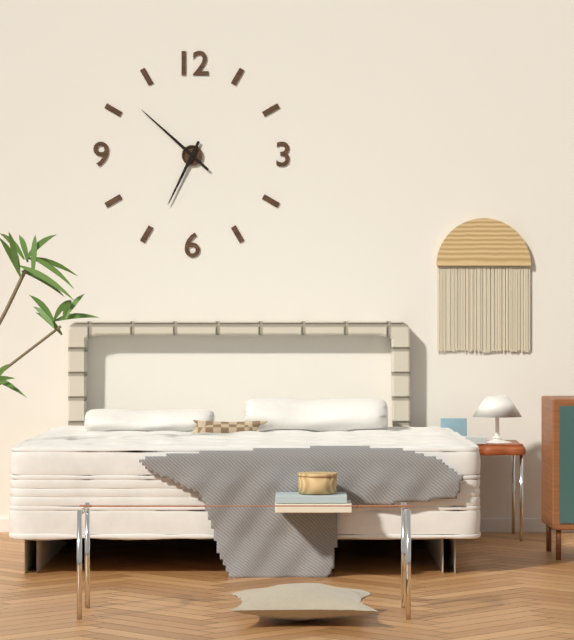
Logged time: h=6 m=52
